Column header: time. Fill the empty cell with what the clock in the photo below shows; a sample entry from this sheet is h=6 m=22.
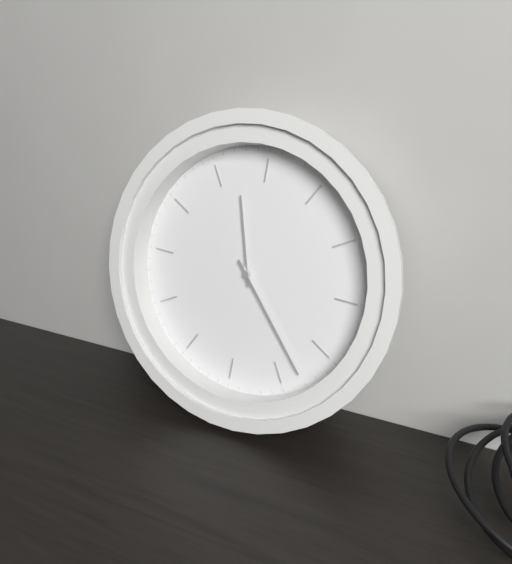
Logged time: h=12 m=28
